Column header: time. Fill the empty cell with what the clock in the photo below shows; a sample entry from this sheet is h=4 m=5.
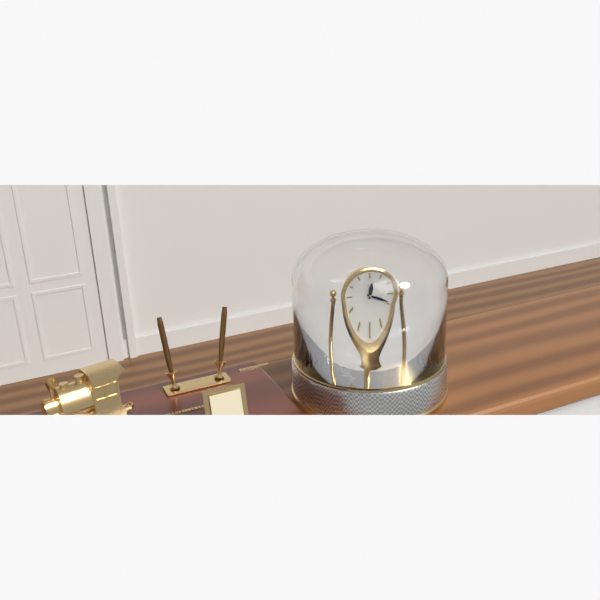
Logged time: h=12 m=19
